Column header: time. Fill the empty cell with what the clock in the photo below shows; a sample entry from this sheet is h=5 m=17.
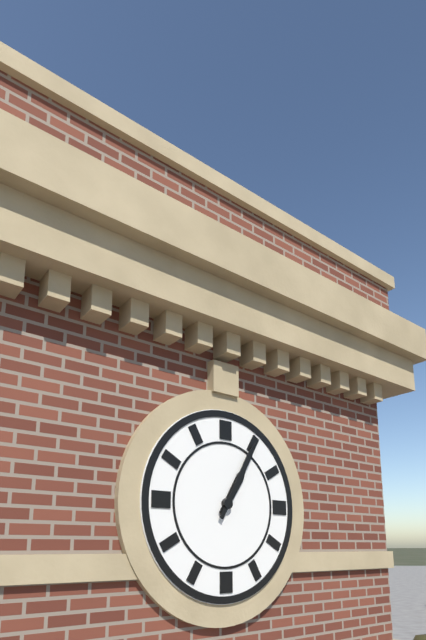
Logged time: h=1 m=5
